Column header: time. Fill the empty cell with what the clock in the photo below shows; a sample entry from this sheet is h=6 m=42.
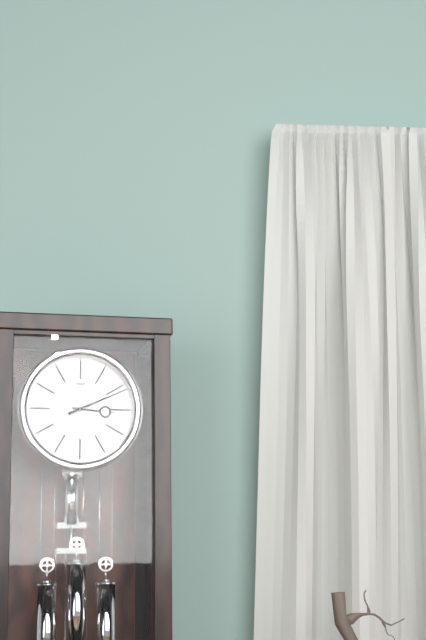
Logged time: h=3 m=11
